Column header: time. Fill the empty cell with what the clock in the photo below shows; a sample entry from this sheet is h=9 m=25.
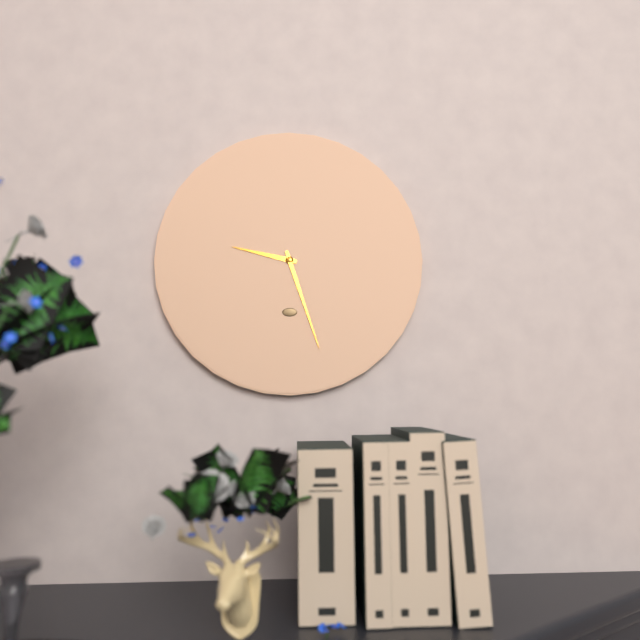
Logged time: h=9 m=27
